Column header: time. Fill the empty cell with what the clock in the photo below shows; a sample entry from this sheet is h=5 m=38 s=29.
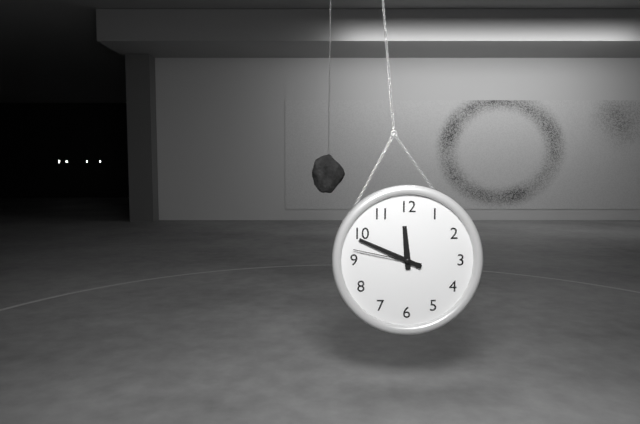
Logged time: h=11 m=49 s=47
